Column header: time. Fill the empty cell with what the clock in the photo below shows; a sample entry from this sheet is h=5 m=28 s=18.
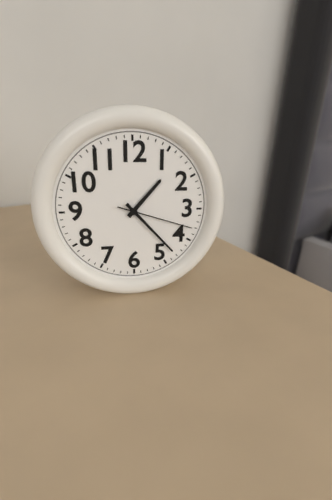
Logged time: h=1 m=23 s=18
